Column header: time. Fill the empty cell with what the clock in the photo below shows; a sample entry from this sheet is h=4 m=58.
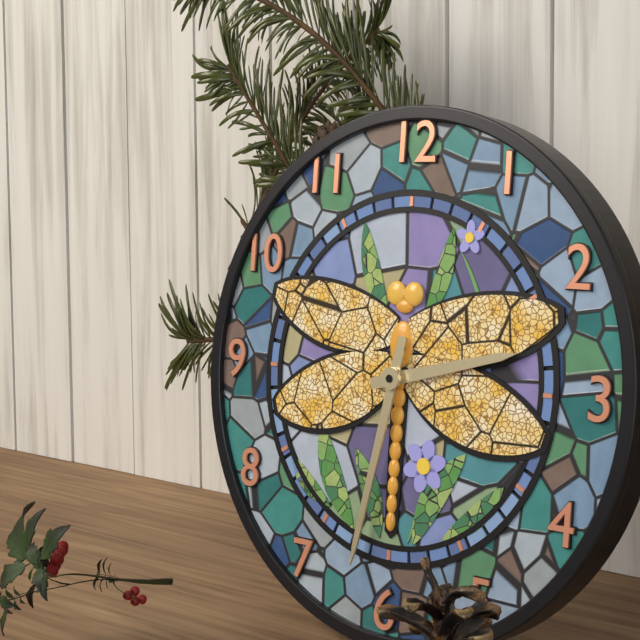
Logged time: h=2 m=32
